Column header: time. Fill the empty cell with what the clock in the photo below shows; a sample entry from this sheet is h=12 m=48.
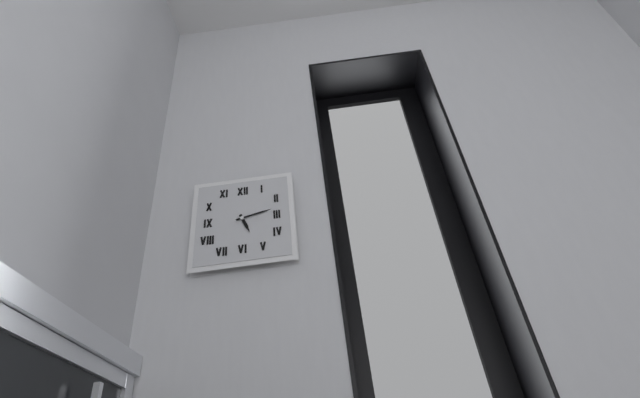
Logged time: h=5 m=13
